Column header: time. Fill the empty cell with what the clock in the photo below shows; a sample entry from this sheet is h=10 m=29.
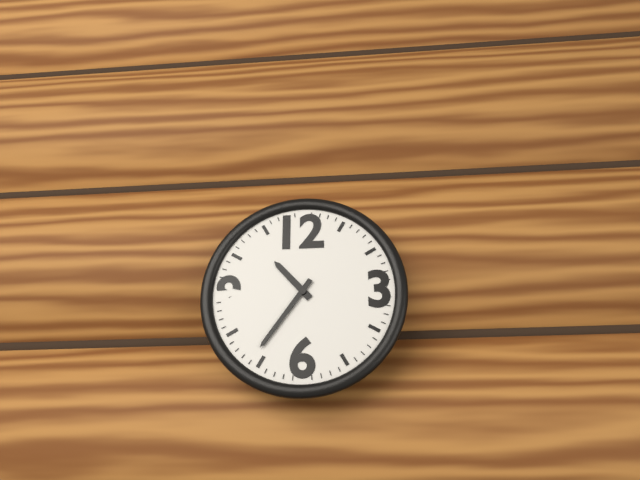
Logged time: h=10 m=36
